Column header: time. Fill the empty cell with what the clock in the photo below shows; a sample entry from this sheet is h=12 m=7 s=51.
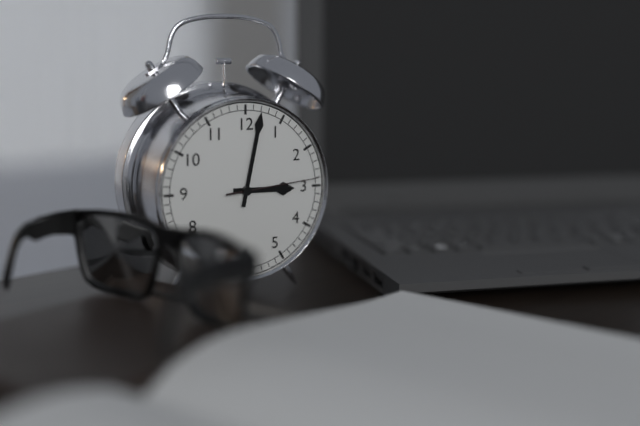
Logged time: h=3 m=2 s=14
